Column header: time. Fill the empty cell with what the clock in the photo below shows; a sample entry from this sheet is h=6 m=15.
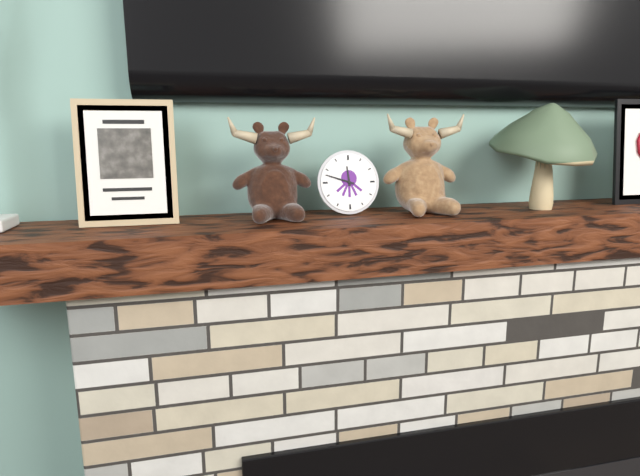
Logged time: h=11 m=48
